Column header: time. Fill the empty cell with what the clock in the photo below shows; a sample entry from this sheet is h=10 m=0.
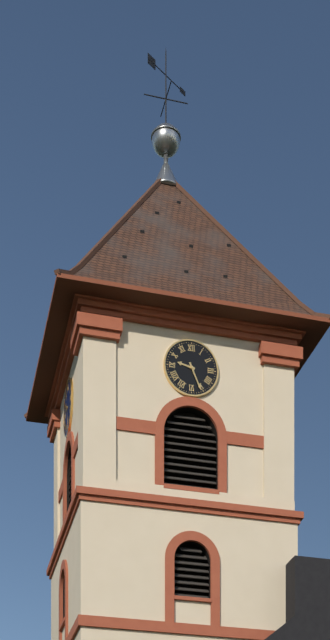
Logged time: h=9 m=26
